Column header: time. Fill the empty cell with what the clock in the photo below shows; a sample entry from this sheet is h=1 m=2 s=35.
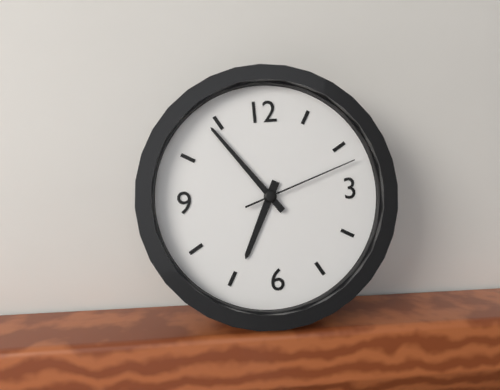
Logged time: h=6 m=54 s=12
